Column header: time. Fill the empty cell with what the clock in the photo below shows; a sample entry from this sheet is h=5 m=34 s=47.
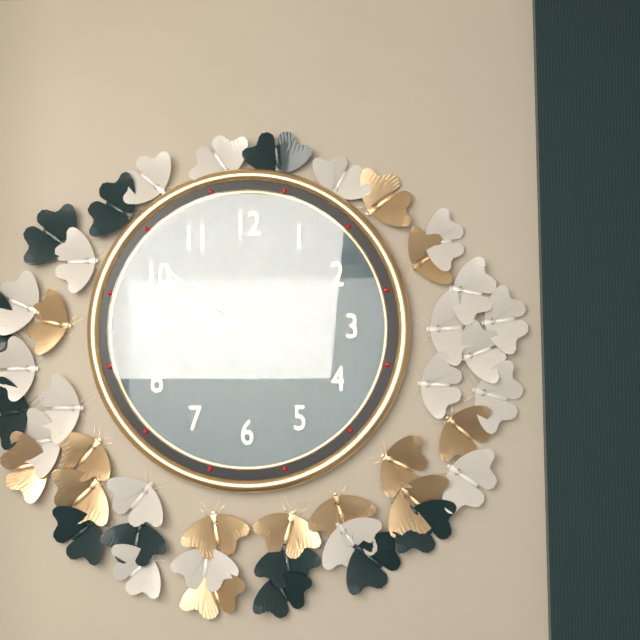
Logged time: h=9 m=45 s=51
